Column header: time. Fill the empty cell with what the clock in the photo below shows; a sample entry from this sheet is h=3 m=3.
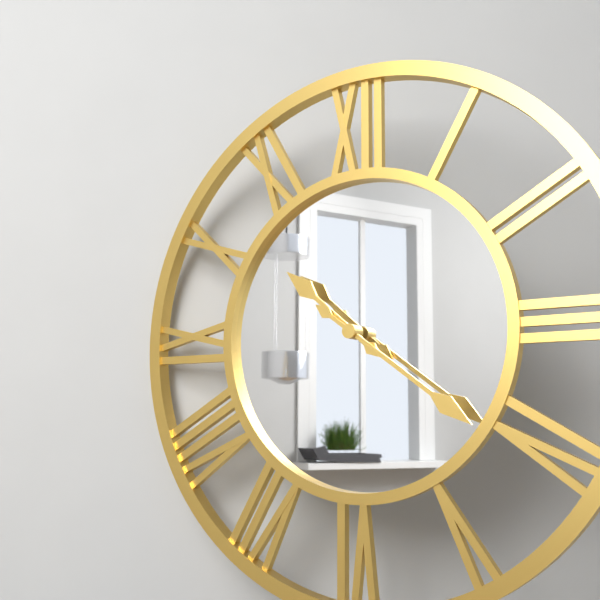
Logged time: h=10 m=21
